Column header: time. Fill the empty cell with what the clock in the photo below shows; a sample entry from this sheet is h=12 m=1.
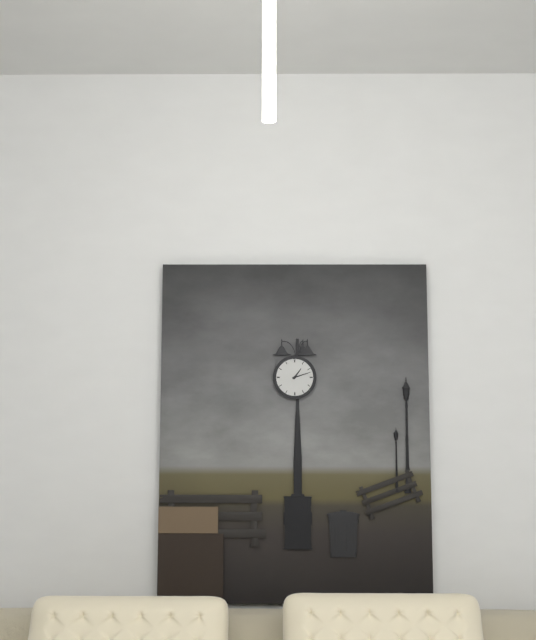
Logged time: h=1 m=12
